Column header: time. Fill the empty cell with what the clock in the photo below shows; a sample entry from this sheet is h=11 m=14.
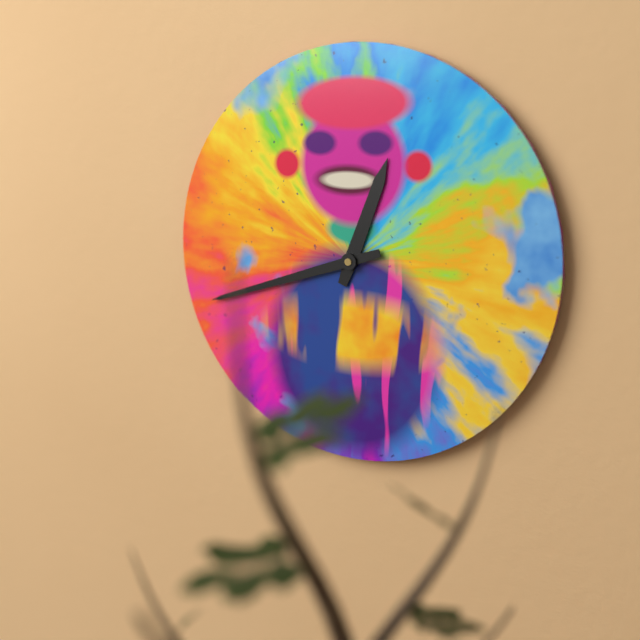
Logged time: h=12 m=42
